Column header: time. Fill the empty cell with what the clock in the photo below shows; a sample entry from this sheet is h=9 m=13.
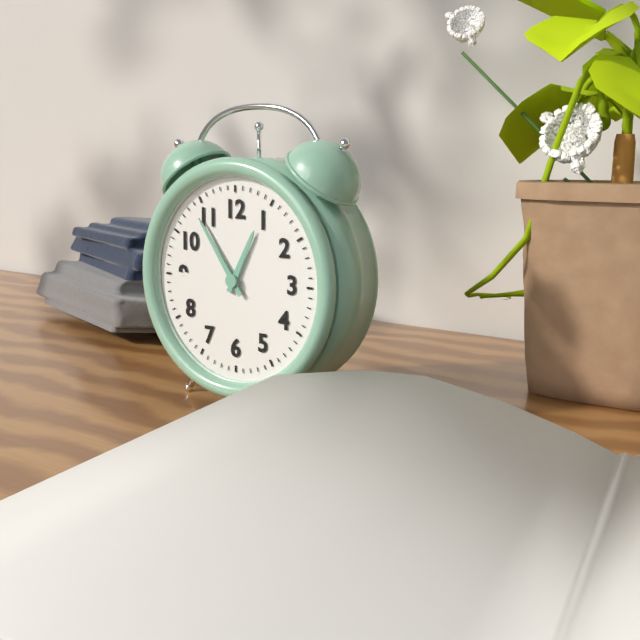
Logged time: h=12 m=54
